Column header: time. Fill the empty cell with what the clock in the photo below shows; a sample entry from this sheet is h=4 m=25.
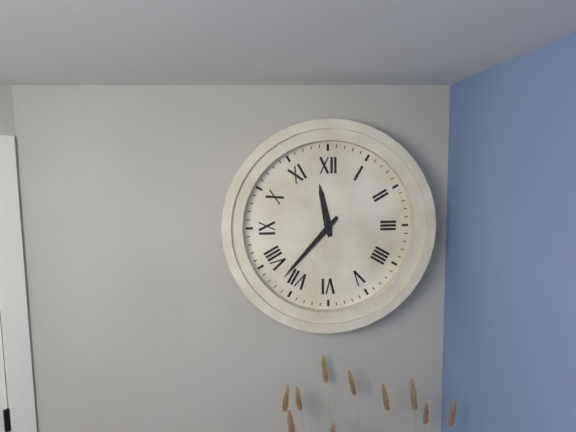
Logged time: h=11 m=37
